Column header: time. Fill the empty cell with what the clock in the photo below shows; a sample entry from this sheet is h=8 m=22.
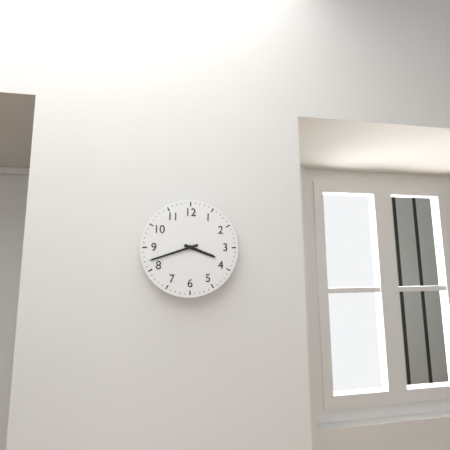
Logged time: h=3 m=42
